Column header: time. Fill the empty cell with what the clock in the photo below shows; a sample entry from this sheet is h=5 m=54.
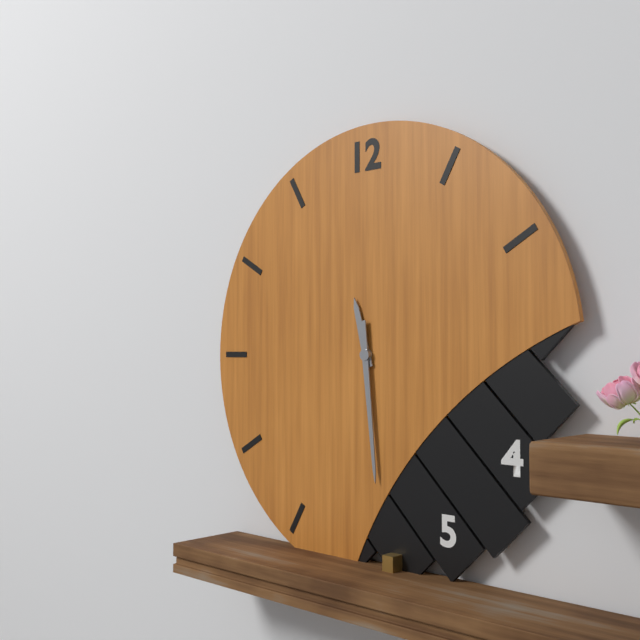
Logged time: h=11 m=29
